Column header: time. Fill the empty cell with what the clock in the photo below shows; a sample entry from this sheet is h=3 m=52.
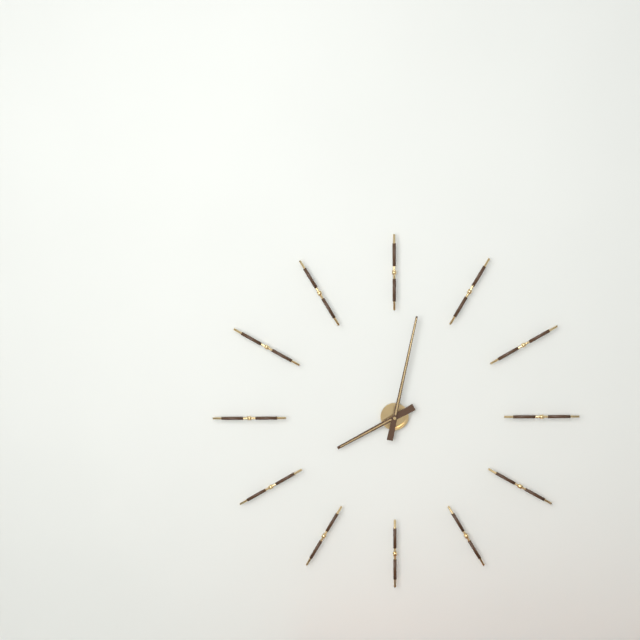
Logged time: h=8 m=2
